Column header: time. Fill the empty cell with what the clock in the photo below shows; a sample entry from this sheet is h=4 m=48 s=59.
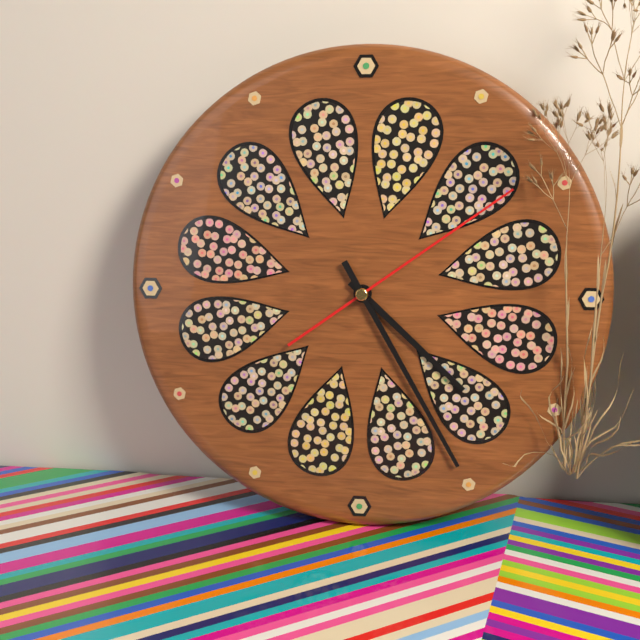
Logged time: h=4 m=25 s=9
